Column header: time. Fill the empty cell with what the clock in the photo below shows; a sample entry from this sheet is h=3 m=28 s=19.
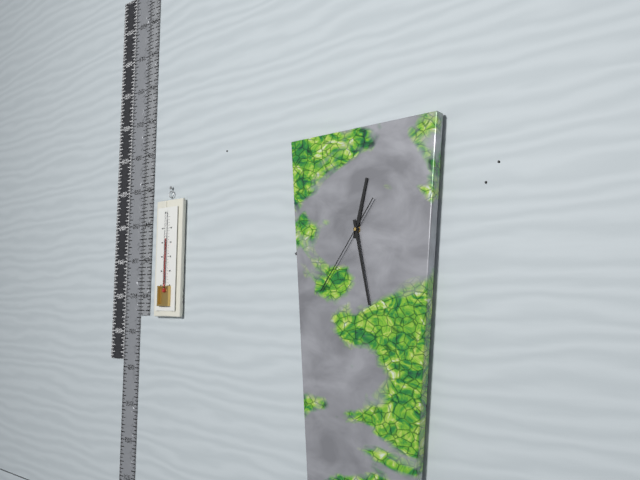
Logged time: h=12 m=28 s=36
